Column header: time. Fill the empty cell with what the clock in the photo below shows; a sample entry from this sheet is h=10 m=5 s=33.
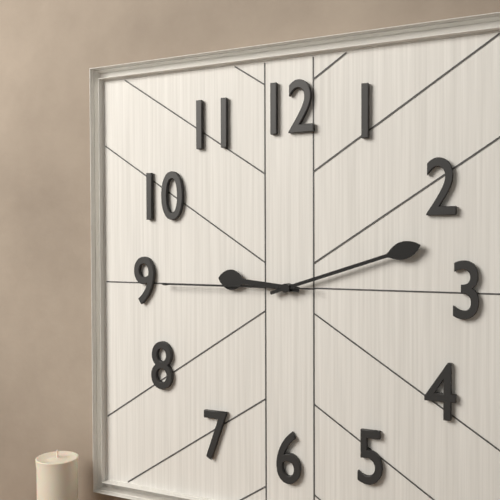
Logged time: h=9 m=12 s=45
